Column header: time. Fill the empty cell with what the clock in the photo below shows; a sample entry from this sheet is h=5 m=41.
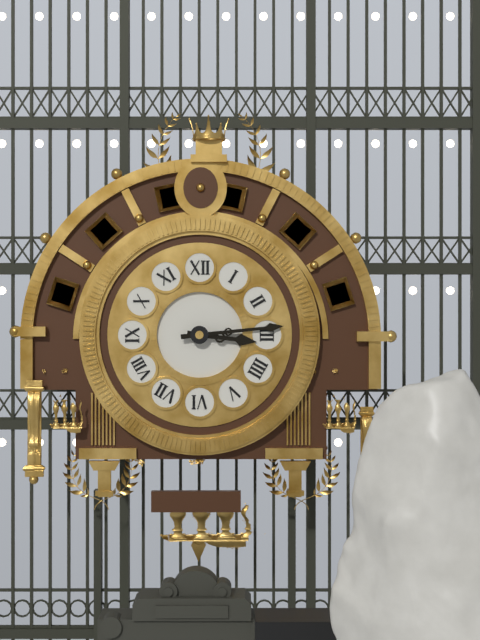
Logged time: h=3 m=14
